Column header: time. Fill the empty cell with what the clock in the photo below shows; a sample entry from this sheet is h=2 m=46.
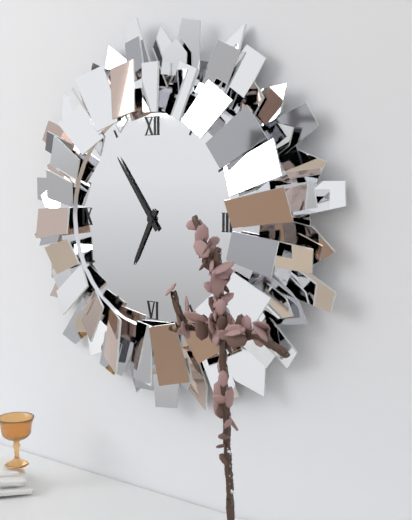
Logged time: h=6 m=54
